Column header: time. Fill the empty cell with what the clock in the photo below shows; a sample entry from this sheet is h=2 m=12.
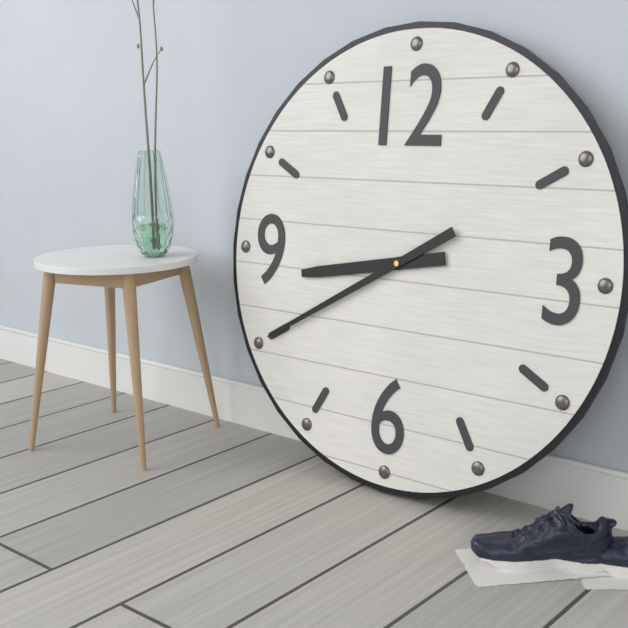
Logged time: h=8 m=40
